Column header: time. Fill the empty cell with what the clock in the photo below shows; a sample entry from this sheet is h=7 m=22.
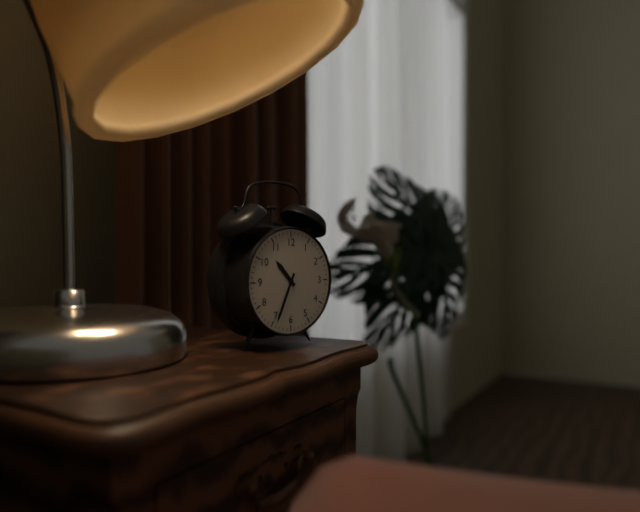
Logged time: h=10 m=34
